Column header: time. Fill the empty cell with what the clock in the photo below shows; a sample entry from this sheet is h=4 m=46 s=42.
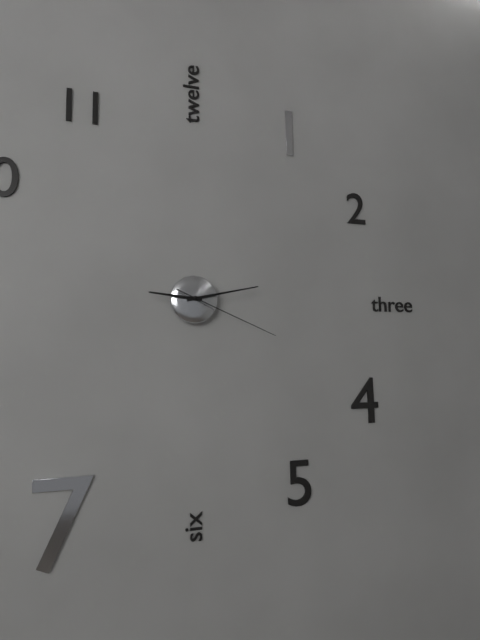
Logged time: h=9 m=13 s=19
